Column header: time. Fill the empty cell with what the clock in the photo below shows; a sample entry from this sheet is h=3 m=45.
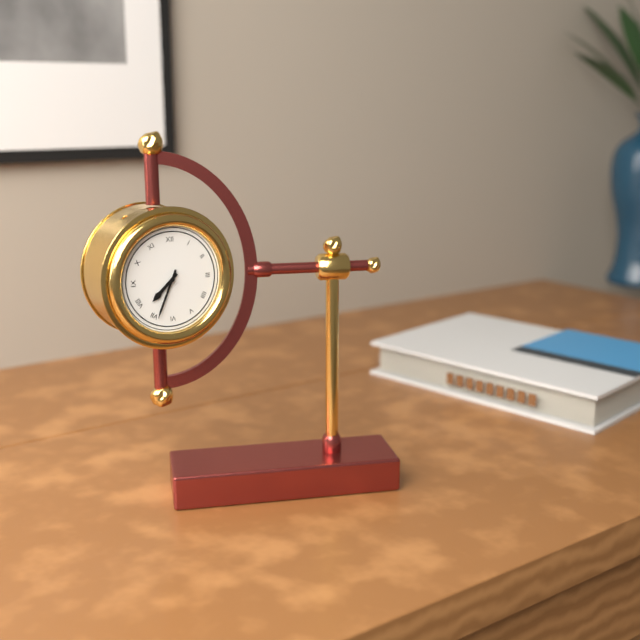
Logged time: h=7 m=34
